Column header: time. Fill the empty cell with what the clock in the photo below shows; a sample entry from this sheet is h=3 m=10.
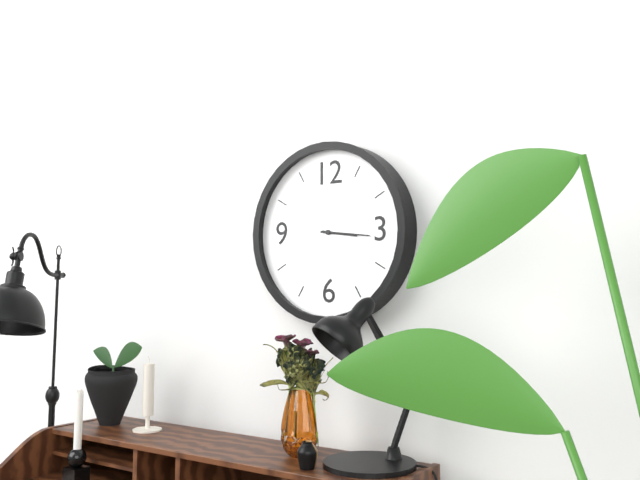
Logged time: h=3 m=16
